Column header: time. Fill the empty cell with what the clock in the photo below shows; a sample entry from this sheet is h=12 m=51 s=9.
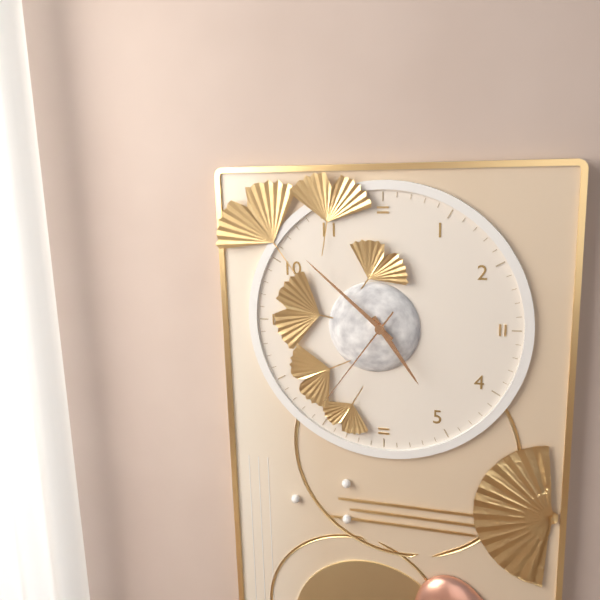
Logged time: h=4 m=52 s=36
